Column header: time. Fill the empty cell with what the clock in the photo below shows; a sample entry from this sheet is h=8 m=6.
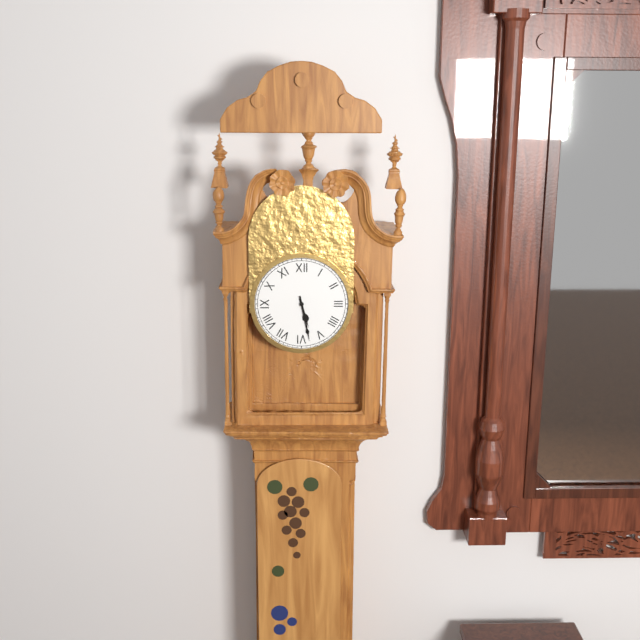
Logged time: h=5 m=28
